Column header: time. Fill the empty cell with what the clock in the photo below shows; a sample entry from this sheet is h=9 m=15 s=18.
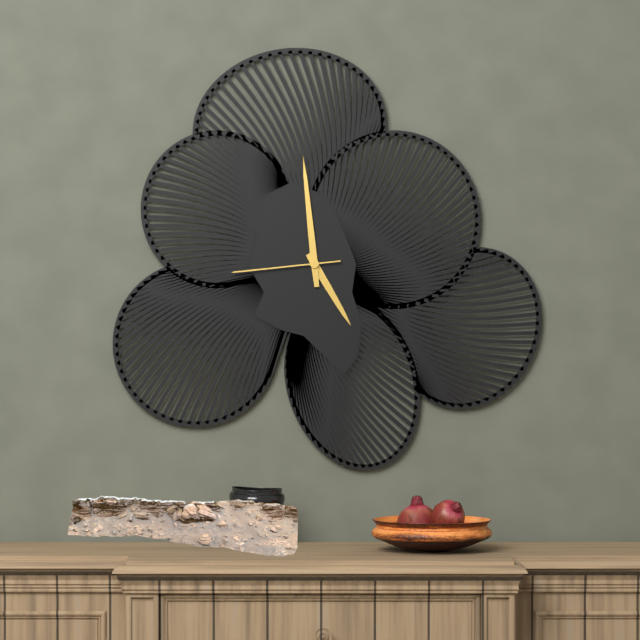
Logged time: h=4 m=59 s=44
